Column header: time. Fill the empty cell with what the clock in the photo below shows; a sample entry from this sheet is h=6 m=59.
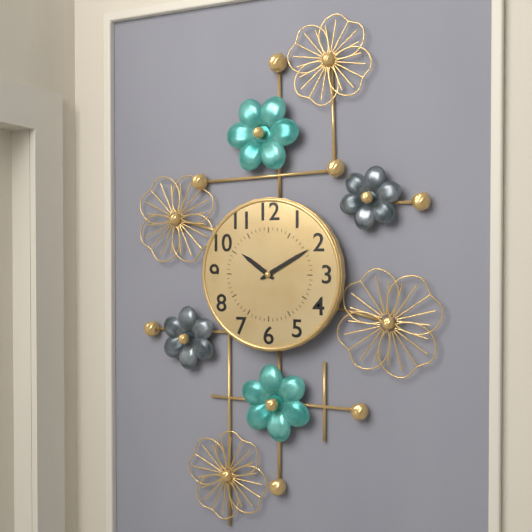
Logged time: h=10 m=10
